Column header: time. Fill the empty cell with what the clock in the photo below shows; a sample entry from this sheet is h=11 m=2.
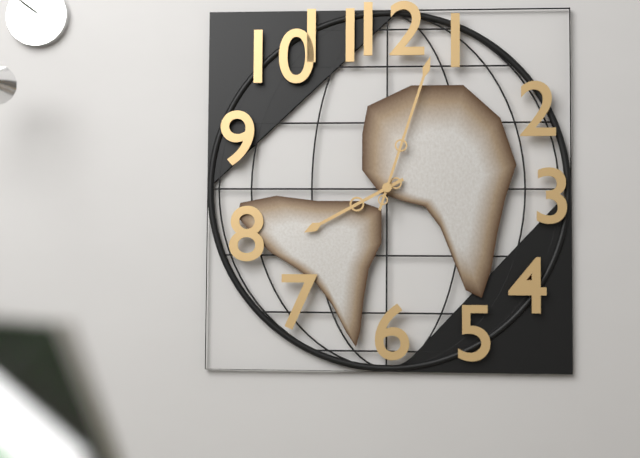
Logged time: h=8 m=3
